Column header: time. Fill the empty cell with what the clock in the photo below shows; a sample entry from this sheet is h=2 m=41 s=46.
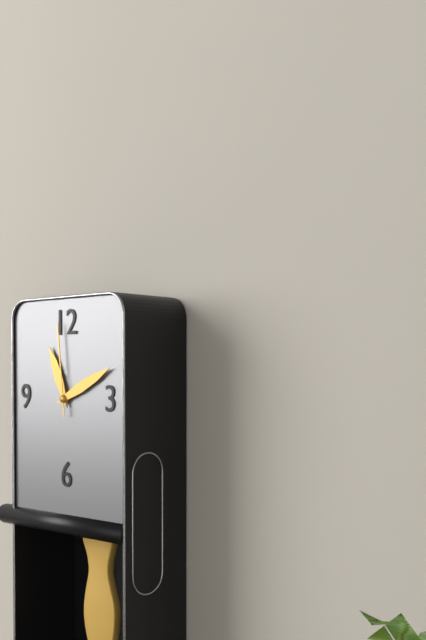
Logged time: h=11 m=11 s=59
